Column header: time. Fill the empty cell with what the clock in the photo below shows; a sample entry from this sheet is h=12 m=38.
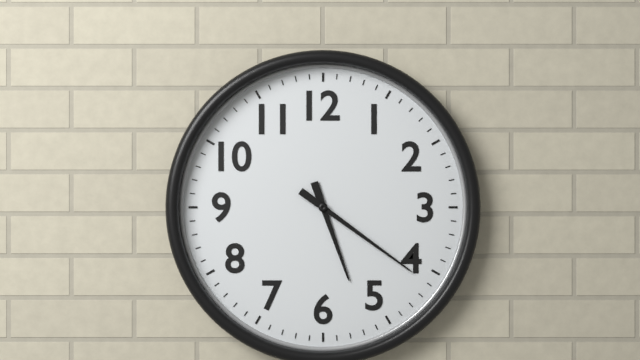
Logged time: h=5 m=21
